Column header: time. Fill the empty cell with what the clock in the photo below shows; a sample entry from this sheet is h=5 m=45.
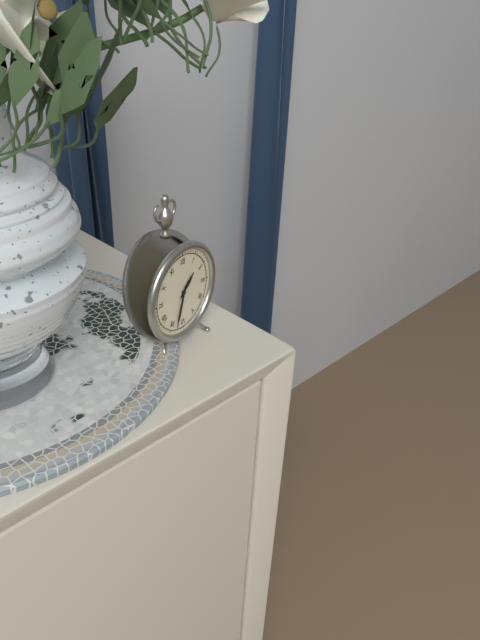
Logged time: h=1 m=33
